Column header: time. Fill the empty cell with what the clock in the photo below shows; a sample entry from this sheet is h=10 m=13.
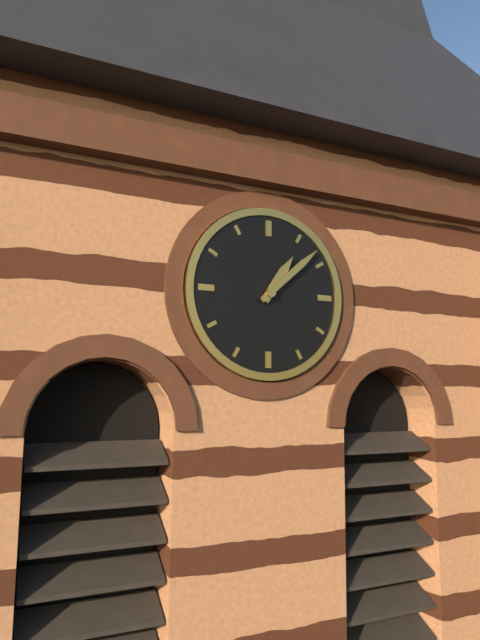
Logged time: h=1 m=8
